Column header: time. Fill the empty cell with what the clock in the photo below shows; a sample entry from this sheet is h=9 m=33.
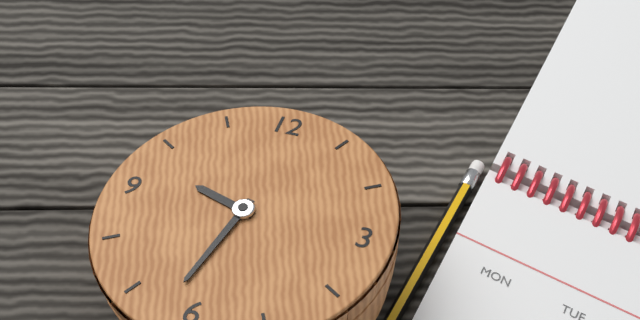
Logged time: h=9 m=32
